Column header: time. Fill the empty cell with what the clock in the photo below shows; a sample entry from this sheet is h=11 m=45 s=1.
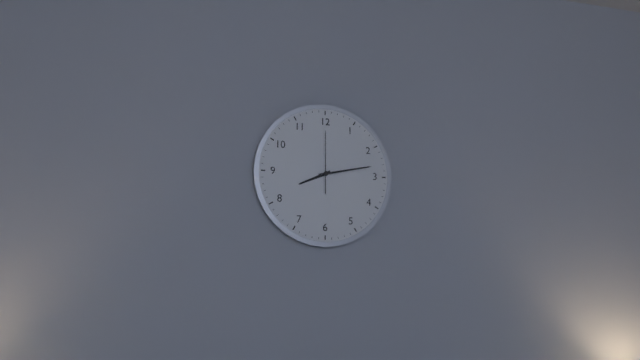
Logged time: h=8 m=13 s=0
